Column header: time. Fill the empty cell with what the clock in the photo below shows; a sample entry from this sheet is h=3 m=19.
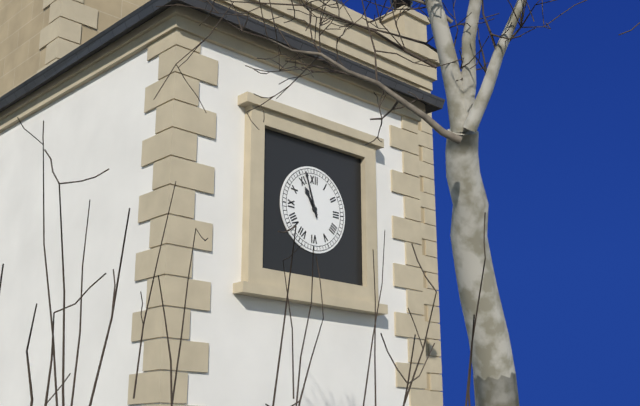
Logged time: h=10 m=57
